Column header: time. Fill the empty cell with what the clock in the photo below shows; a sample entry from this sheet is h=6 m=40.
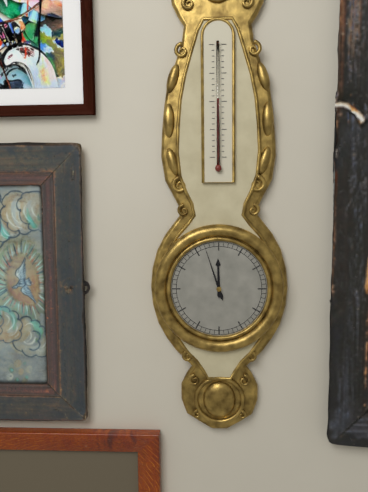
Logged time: h=11 m=57
